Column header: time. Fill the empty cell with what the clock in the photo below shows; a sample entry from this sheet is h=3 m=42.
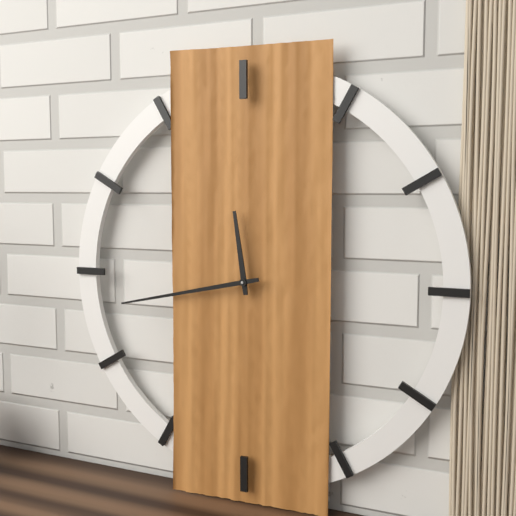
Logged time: h=11 m=43
